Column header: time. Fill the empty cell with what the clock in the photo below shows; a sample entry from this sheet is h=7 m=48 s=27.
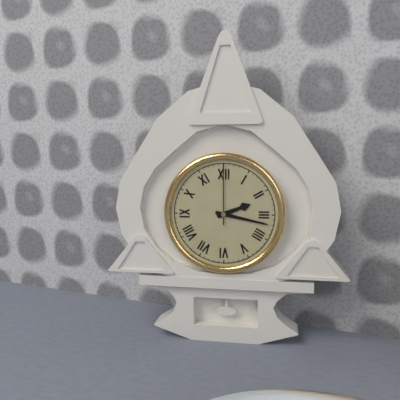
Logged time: h=2 m=17 s=0
